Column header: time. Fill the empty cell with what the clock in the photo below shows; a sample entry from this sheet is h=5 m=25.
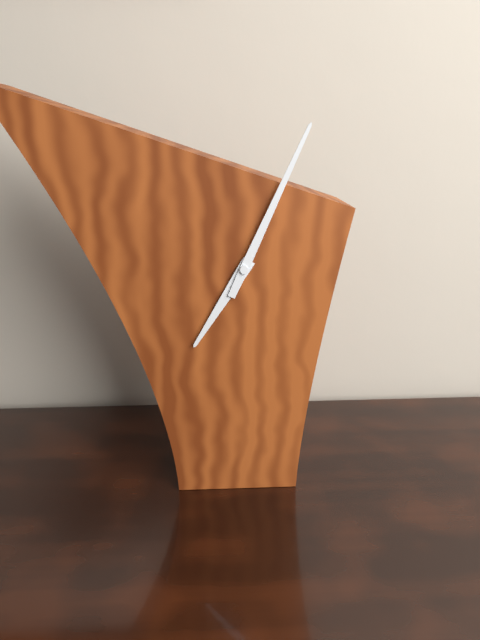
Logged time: h=7 m=4
